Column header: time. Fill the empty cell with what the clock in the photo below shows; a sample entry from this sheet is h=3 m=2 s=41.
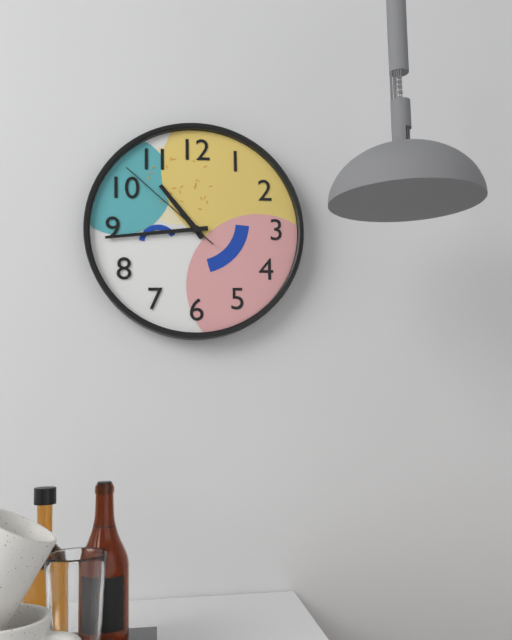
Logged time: h=10 m=44 s=52
